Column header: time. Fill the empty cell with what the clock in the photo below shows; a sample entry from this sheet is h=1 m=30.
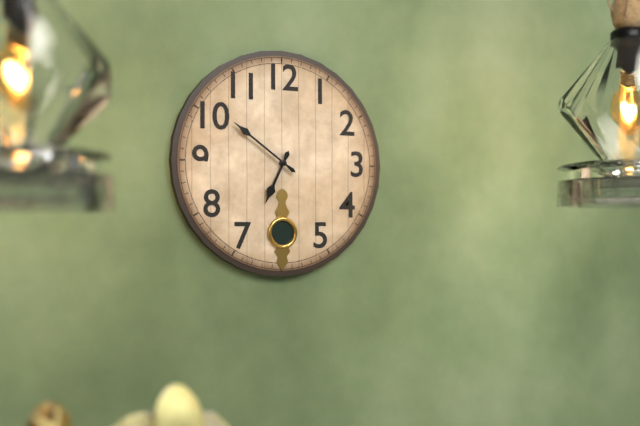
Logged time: h=6 m=51
